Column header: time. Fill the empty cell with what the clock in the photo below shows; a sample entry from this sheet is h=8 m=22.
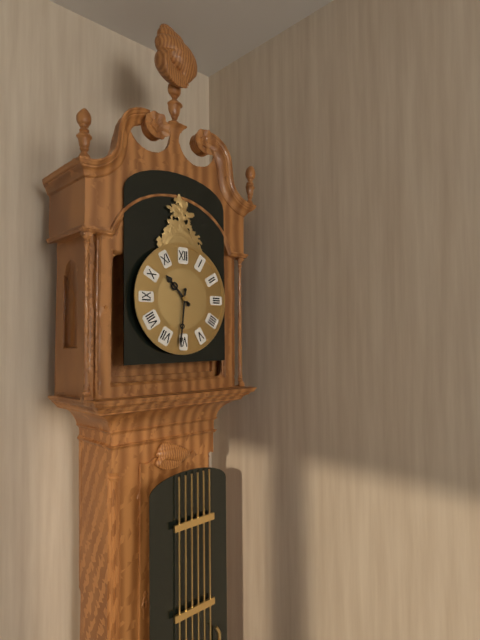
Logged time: h=10 m=31
